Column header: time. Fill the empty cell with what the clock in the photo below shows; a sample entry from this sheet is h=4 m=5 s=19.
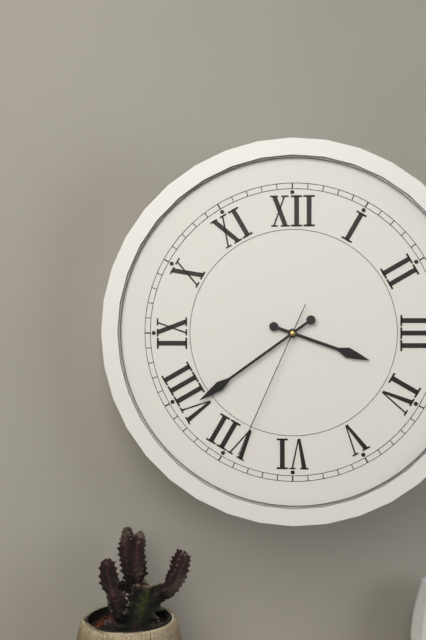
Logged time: h=3 m=39 s=34
